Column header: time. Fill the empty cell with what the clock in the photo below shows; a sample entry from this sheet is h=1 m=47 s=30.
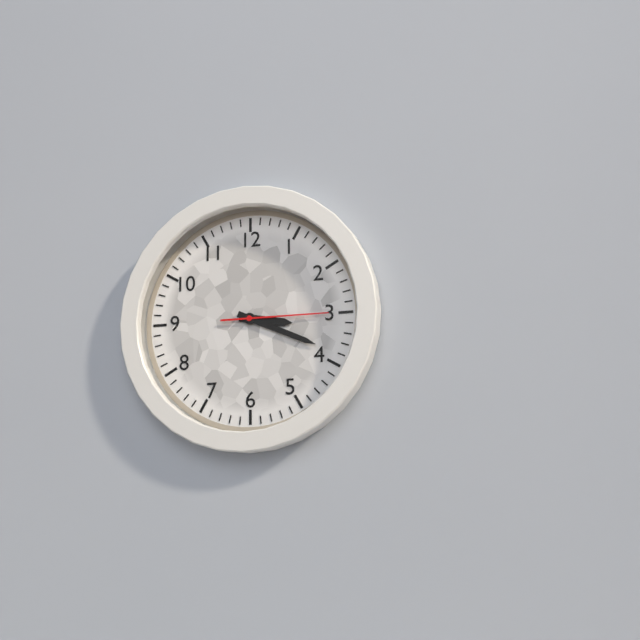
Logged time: h=3 m=19 s=15
